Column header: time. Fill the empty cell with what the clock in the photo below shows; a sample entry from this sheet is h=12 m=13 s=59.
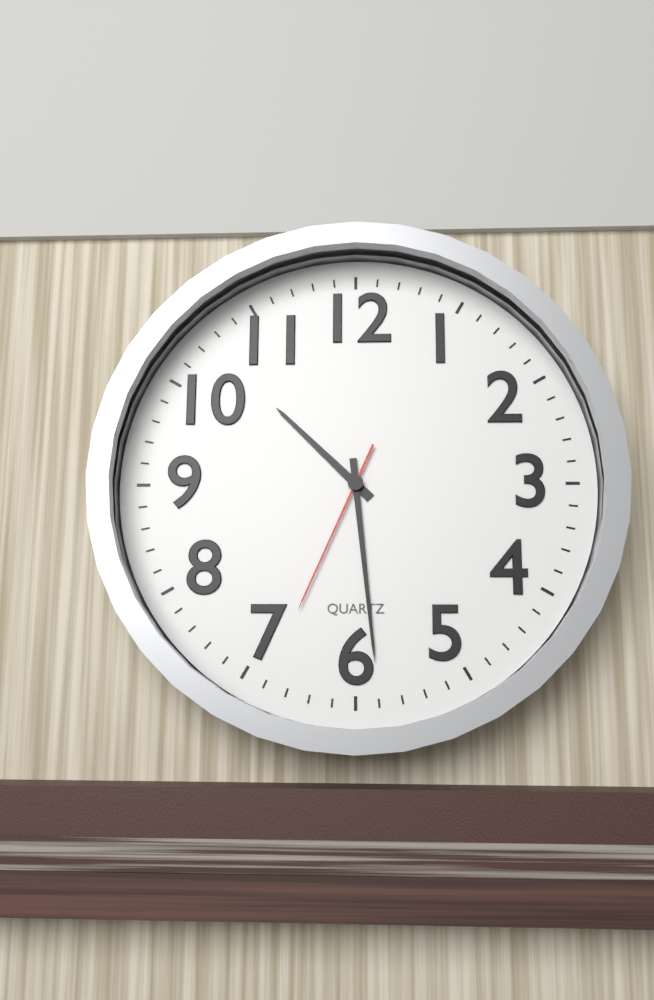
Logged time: h=10 m=29 s=34
